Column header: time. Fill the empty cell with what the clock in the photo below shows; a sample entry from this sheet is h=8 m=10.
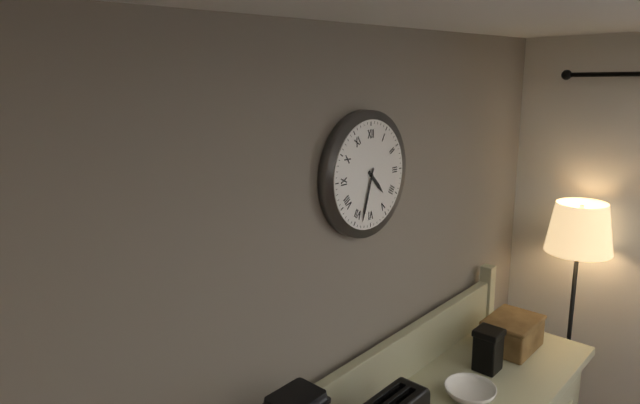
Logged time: h=4 m=33
